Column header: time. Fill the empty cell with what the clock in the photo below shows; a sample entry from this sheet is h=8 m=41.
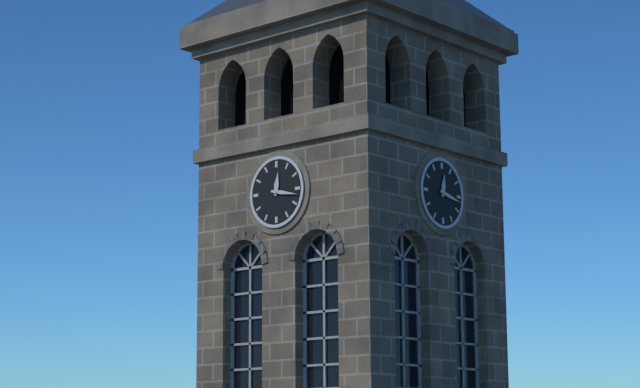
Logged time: h=12 m=17
